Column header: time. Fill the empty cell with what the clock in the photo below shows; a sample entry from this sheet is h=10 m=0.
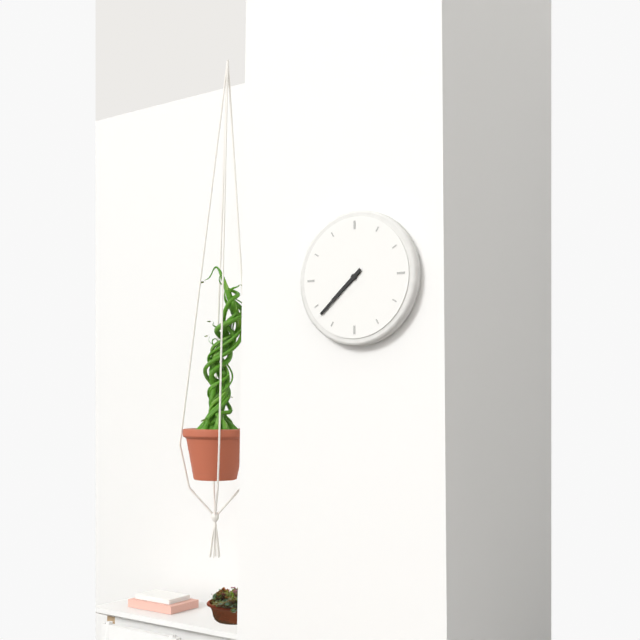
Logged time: h=7 m=38
